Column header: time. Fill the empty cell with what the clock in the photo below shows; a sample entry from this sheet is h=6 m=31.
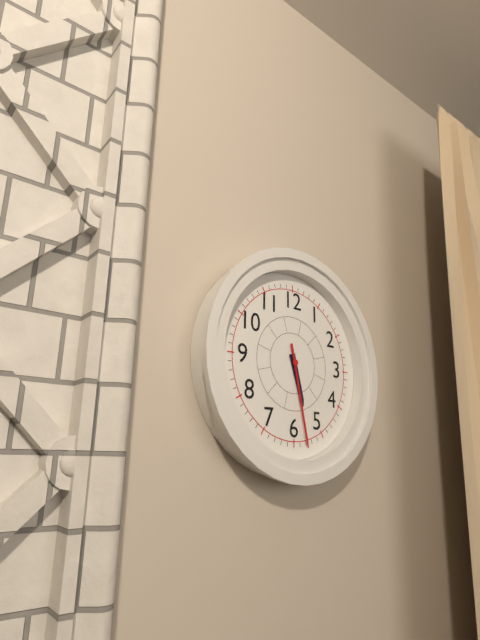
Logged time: h=5 m=28
